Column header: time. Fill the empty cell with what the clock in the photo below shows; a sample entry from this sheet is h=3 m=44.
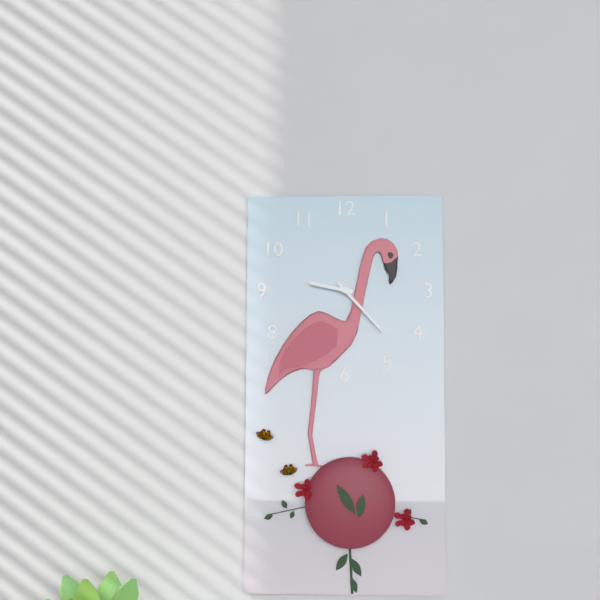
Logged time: h=9 m=23
